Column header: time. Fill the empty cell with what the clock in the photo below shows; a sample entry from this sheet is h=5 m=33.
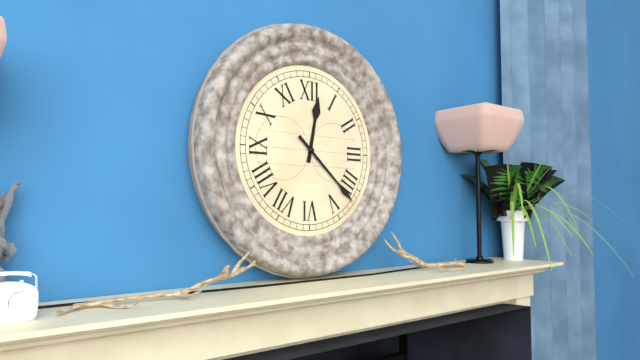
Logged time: h=12 m=22
